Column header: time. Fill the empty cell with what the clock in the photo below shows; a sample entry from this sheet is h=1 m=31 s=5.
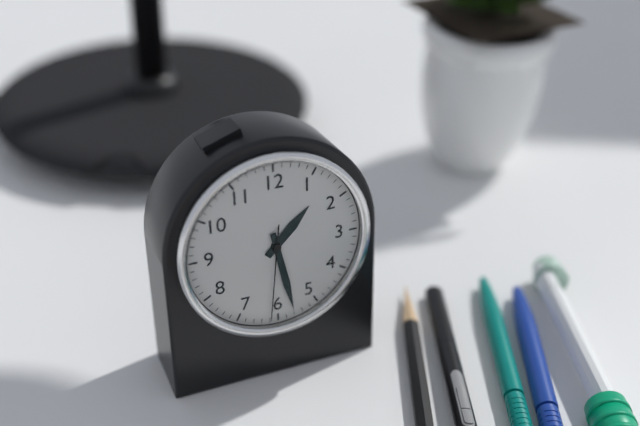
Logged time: h=1 m=28 s=31
